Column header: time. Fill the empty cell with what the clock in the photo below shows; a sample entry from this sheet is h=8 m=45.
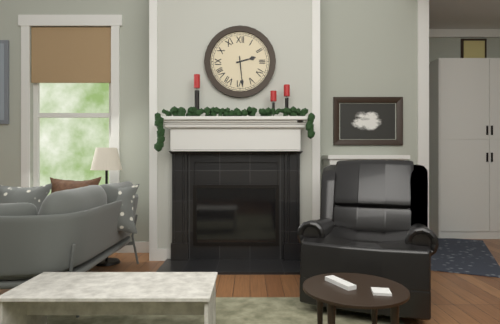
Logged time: h=2 m=29
